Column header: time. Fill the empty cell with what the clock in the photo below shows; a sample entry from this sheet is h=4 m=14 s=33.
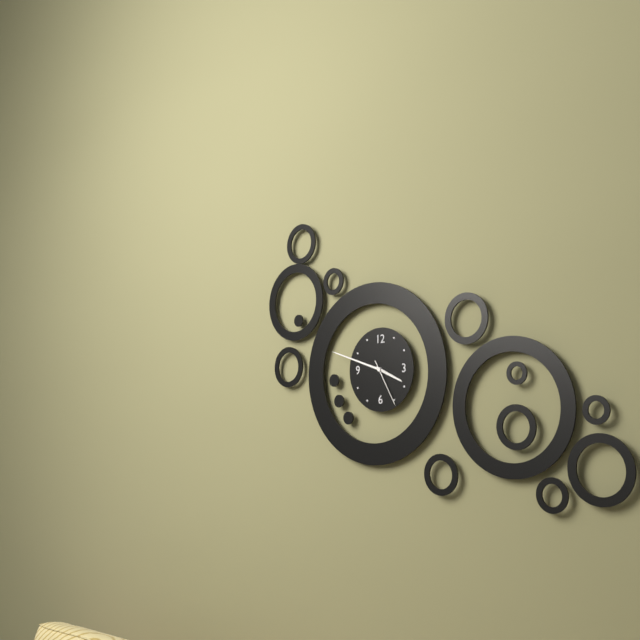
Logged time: h=3 m=48 s=25
